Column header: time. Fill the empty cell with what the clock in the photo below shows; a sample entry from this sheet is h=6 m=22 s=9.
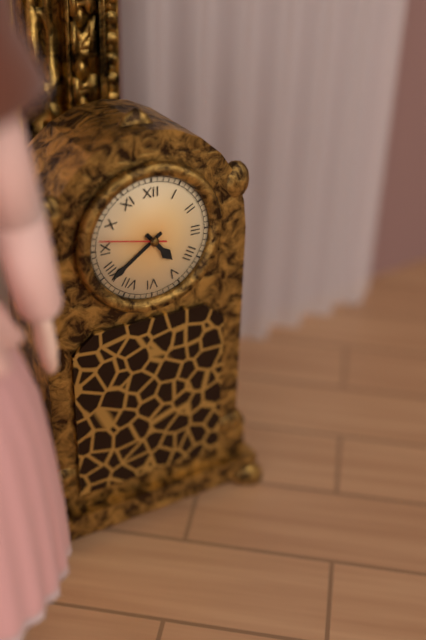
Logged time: h=4 m=39 s=47
